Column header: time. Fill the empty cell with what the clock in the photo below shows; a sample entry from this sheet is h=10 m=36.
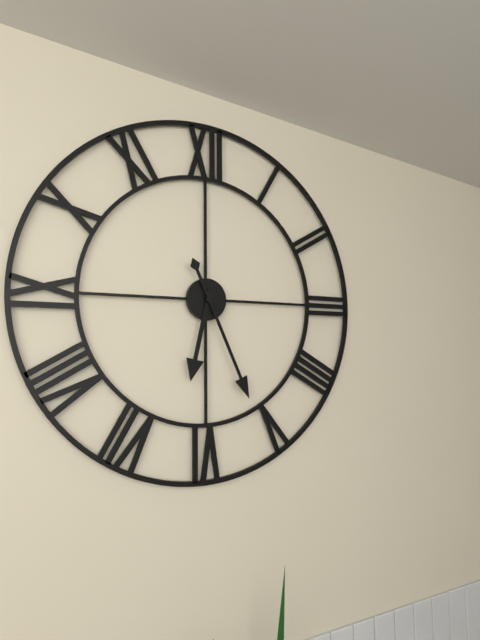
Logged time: h=6 m=26
